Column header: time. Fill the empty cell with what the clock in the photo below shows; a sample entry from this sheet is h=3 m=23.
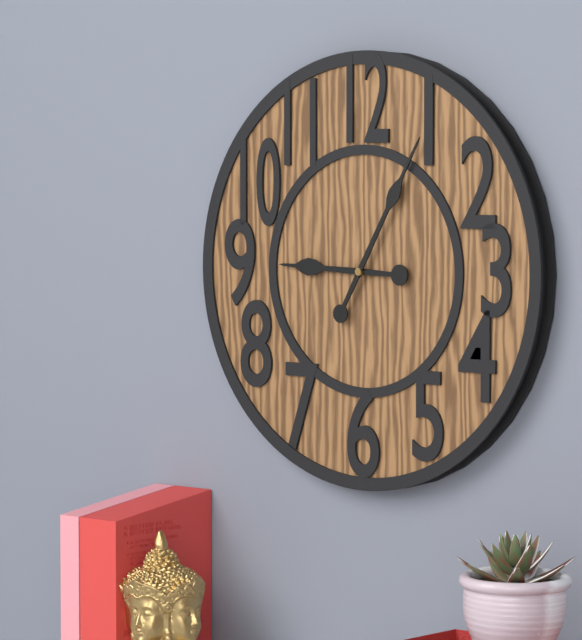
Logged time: h=9 m=5
